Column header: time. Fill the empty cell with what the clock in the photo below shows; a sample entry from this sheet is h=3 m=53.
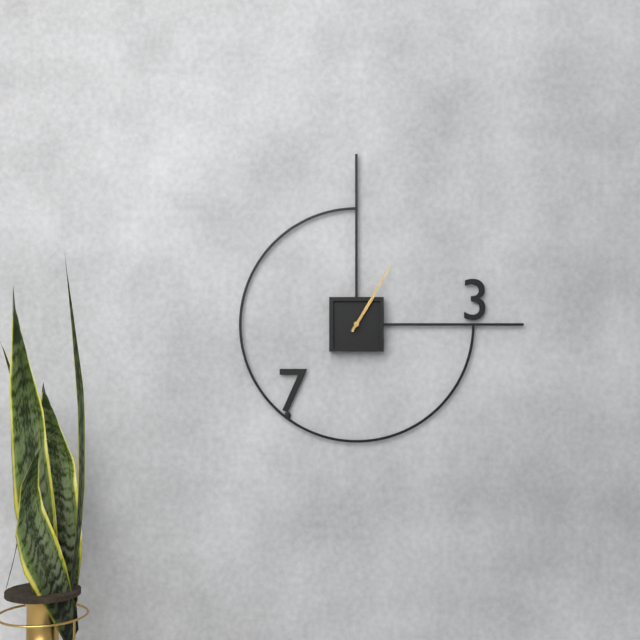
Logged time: h=1 m=5
